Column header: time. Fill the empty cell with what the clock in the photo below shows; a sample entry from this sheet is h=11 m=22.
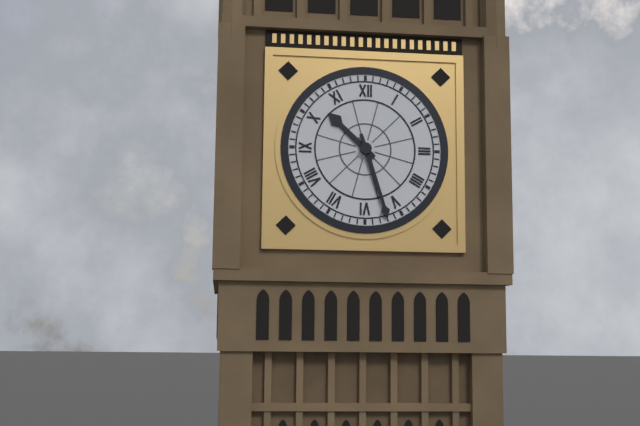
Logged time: h=10 m=27
